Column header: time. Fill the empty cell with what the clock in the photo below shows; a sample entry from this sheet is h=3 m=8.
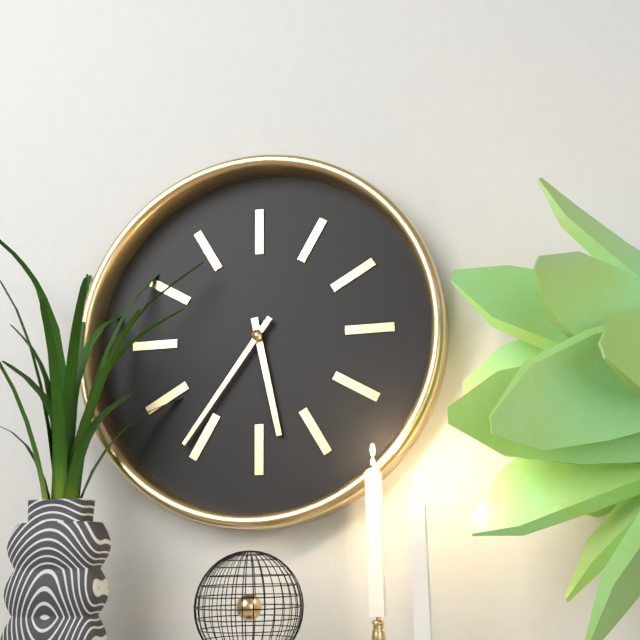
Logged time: h=5 m=36
